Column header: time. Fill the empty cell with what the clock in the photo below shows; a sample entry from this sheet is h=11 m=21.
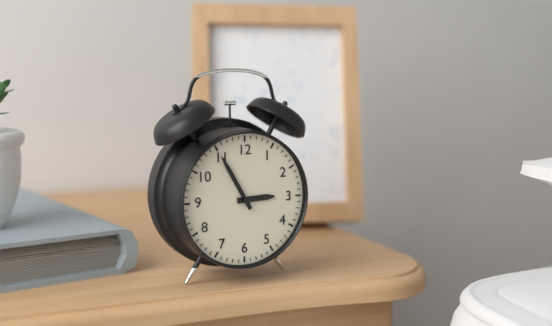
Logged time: h=2 m=55
